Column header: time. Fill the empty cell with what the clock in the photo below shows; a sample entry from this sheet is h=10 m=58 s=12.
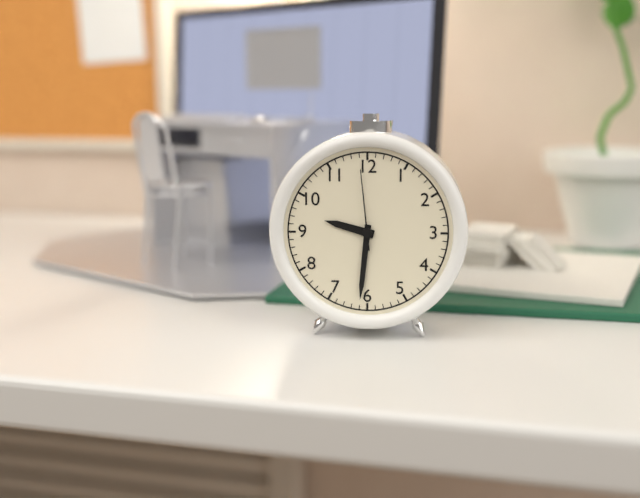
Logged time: h=9 m=31 s=59
